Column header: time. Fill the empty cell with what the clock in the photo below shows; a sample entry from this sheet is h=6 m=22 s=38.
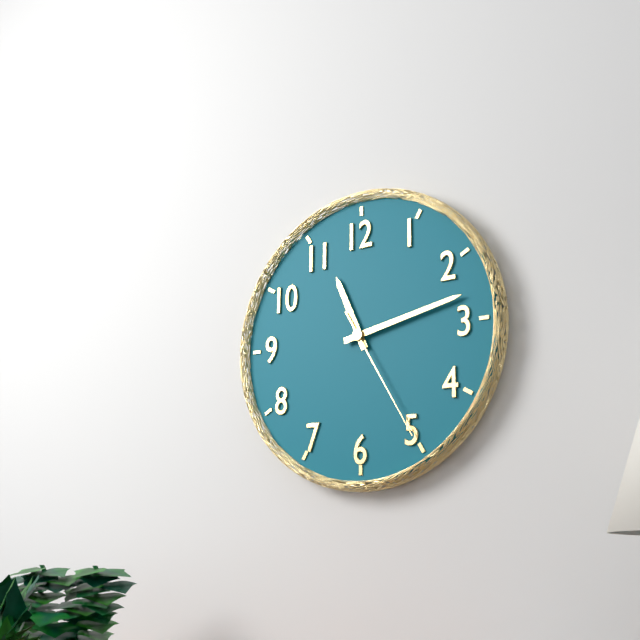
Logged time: h=11 m=13 s=25
